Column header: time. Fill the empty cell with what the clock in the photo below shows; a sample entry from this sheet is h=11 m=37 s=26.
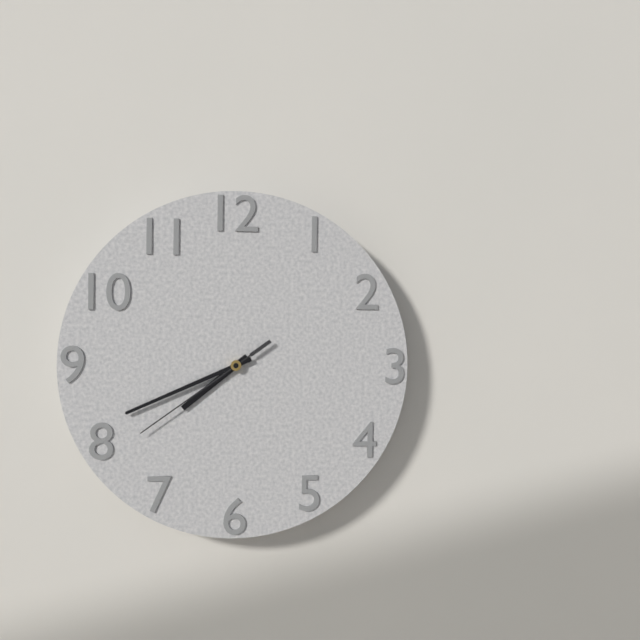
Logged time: h=7 m=41 s=39
